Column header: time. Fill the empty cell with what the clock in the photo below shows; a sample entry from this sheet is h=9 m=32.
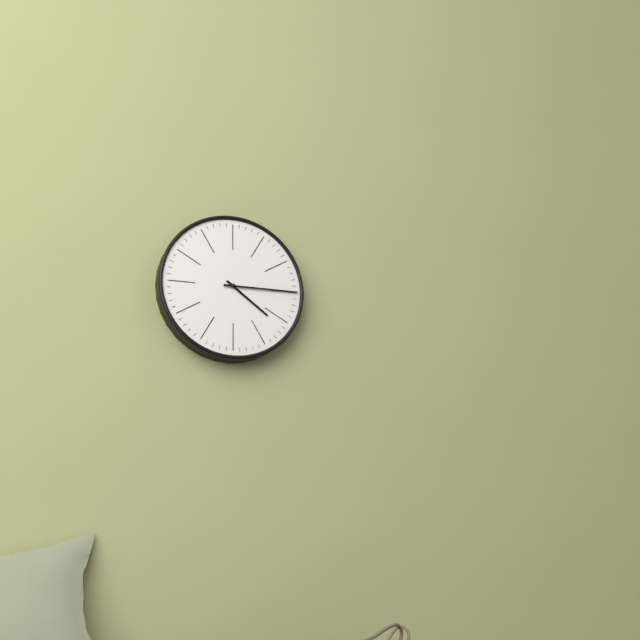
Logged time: h=4 m=15
